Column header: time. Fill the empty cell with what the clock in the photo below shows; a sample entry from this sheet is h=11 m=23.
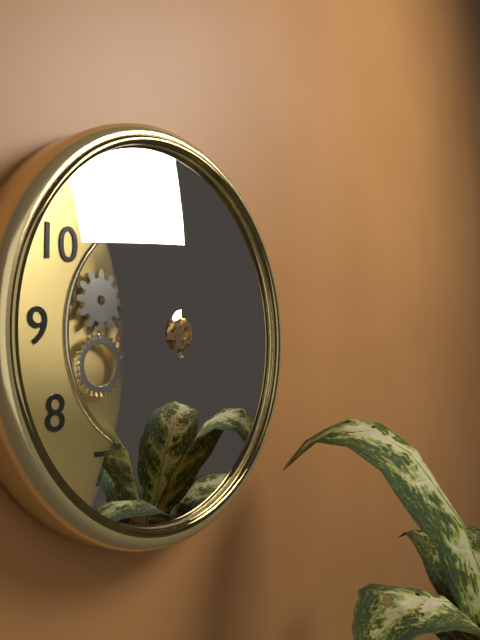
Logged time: h=11 m=5
